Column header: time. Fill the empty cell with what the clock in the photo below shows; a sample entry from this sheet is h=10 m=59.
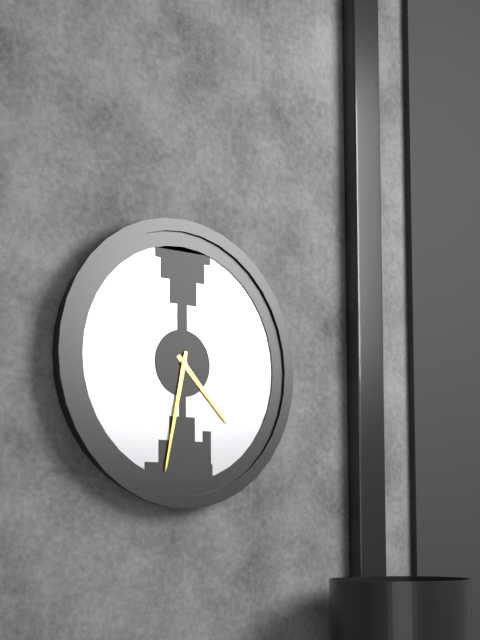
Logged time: h=4 m=32
